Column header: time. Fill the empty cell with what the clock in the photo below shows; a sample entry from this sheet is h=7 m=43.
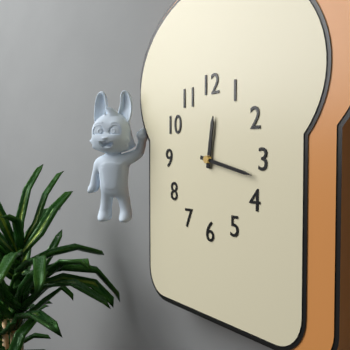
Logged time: h=12 m=17
